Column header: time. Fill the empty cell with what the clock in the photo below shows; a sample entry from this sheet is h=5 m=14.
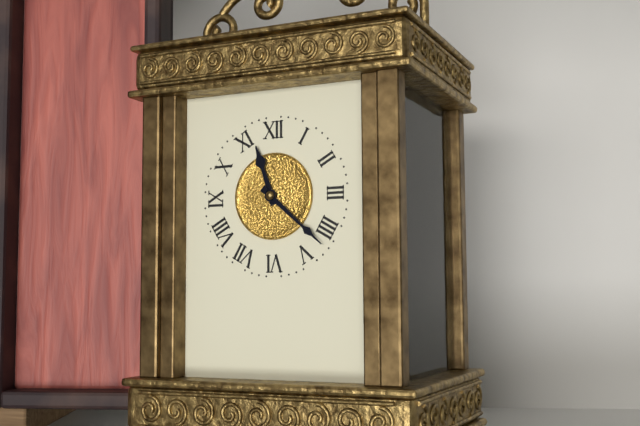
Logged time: h=11 m=22
